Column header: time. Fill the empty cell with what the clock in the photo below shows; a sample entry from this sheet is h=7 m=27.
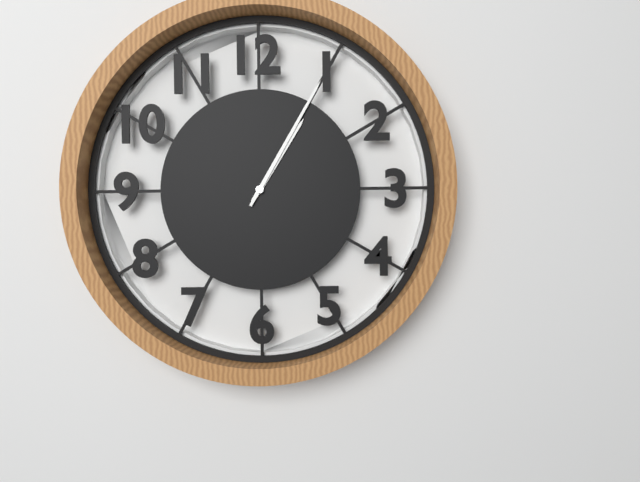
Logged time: h=1 m=5
